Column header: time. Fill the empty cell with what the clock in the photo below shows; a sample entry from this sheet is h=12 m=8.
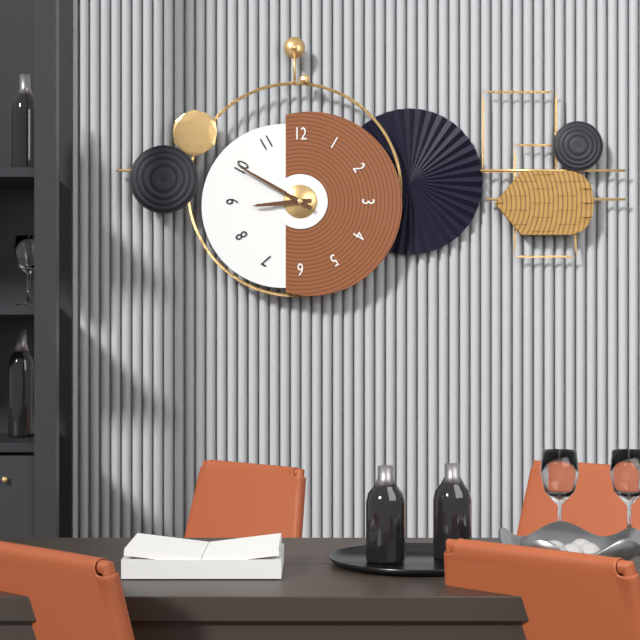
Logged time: h=8 m=50
